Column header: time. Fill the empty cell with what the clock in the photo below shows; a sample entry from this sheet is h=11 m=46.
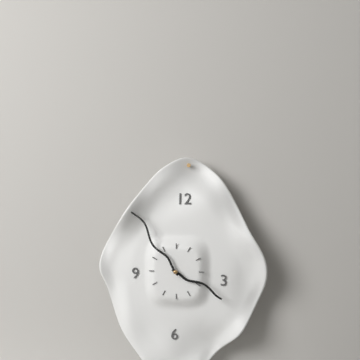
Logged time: h=3 m=54
